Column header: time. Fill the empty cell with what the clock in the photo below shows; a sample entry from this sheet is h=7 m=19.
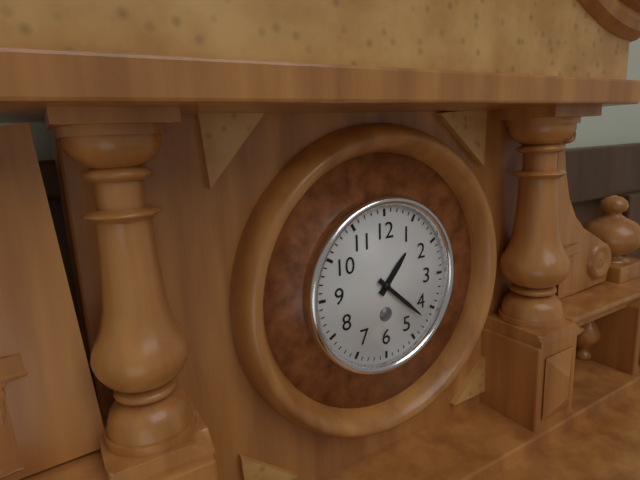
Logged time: h=1 m=22
